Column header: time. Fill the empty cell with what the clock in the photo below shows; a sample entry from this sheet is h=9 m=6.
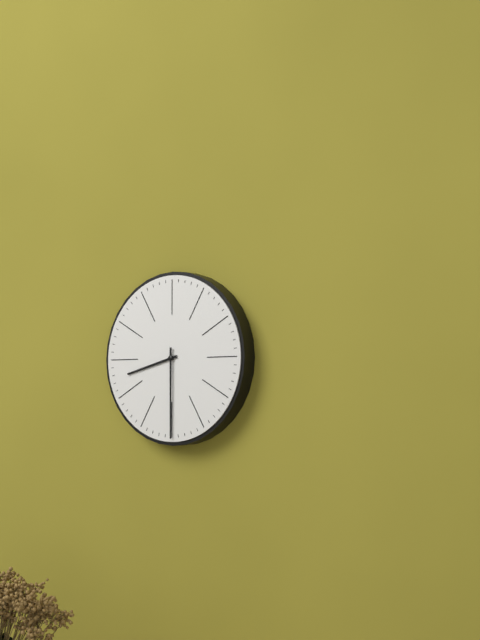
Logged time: h=8 m=30
